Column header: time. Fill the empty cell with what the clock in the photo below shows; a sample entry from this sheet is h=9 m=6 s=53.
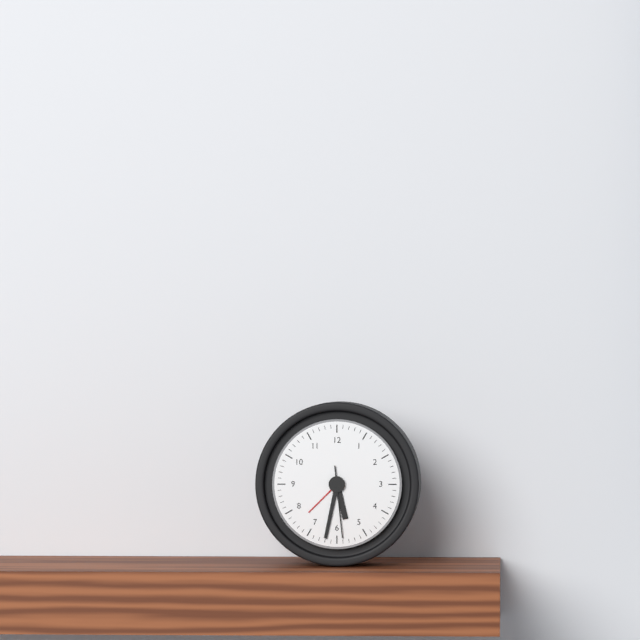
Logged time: h=5 m=32 s=29
